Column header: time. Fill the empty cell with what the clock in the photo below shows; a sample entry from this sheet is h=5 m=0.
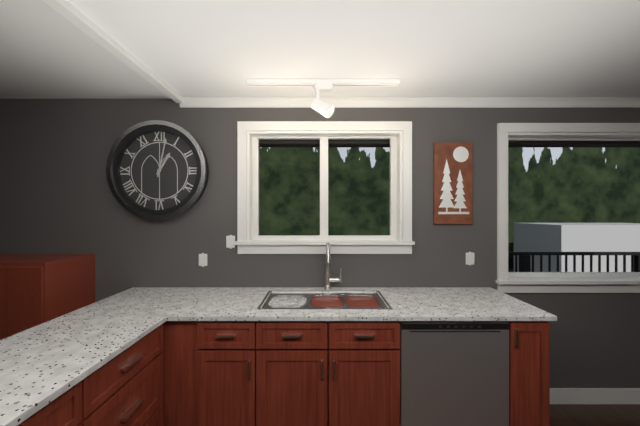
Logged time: h=1 m=2
